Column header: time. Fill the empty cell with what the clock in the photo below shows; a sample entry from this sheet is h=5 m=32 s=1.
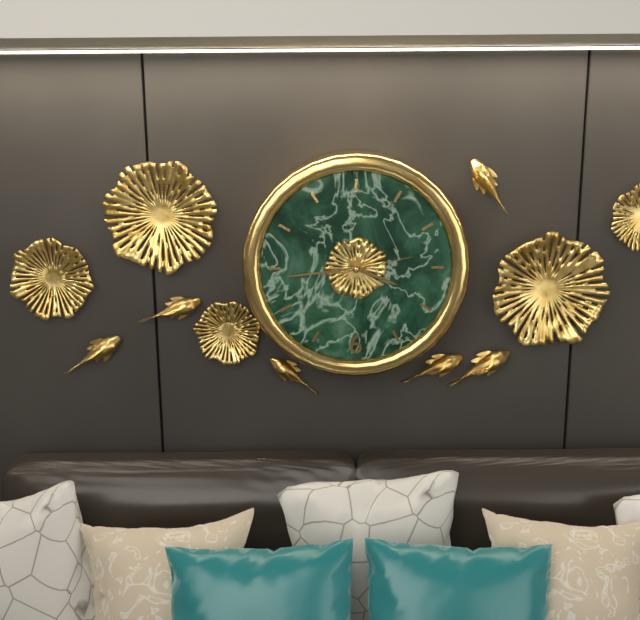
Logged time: h=3 m=44 s=13
